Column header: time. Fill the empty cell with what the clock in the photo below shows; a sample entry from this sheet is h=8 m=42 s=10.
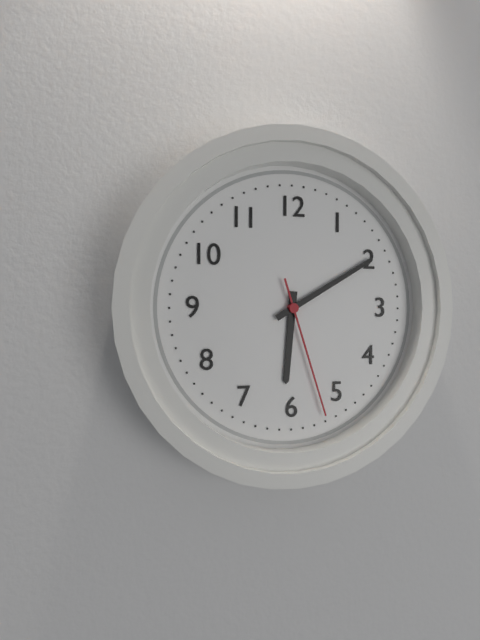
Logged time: h=6 m=10 s=27
